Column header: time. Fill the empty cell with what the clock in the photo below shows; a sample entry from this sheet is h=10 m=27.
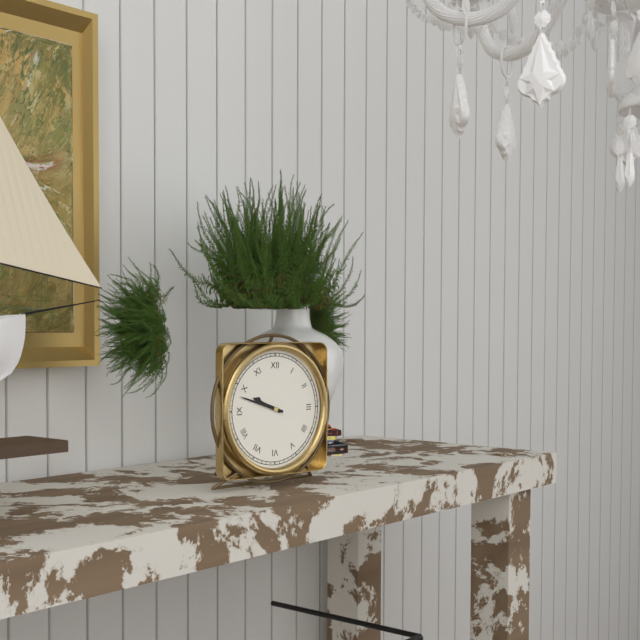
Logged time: h=9 m=48
